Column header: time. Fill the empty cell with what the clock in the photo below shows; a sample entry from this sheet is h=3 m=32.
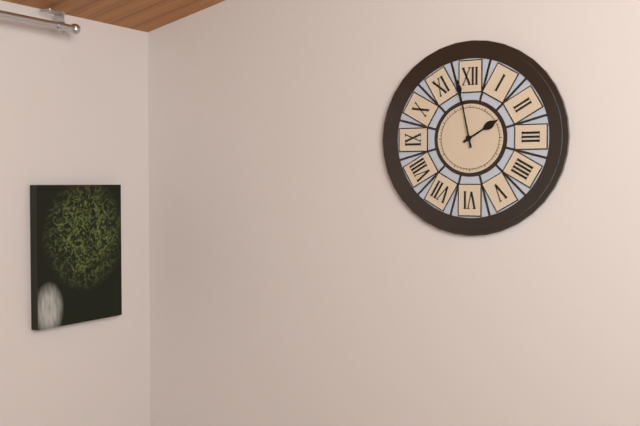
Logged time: h=1 m=58
